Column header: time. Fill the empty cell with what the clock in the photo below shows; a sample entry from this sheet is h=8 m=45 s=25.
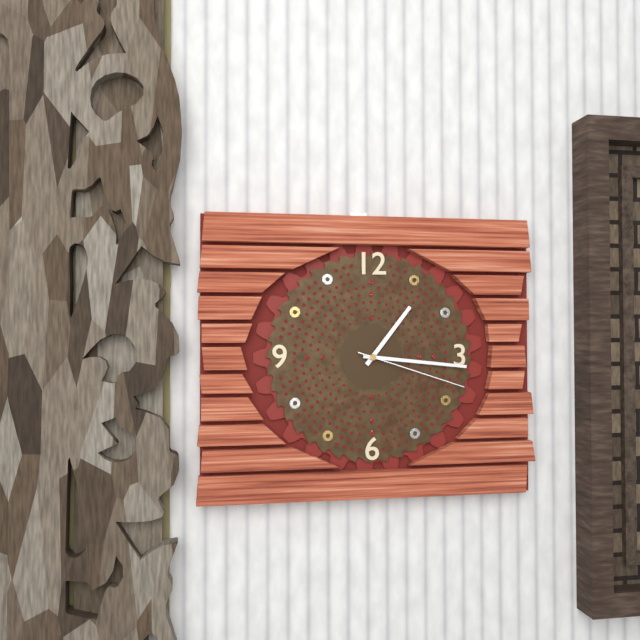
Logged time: h=1 m=16 s=18
